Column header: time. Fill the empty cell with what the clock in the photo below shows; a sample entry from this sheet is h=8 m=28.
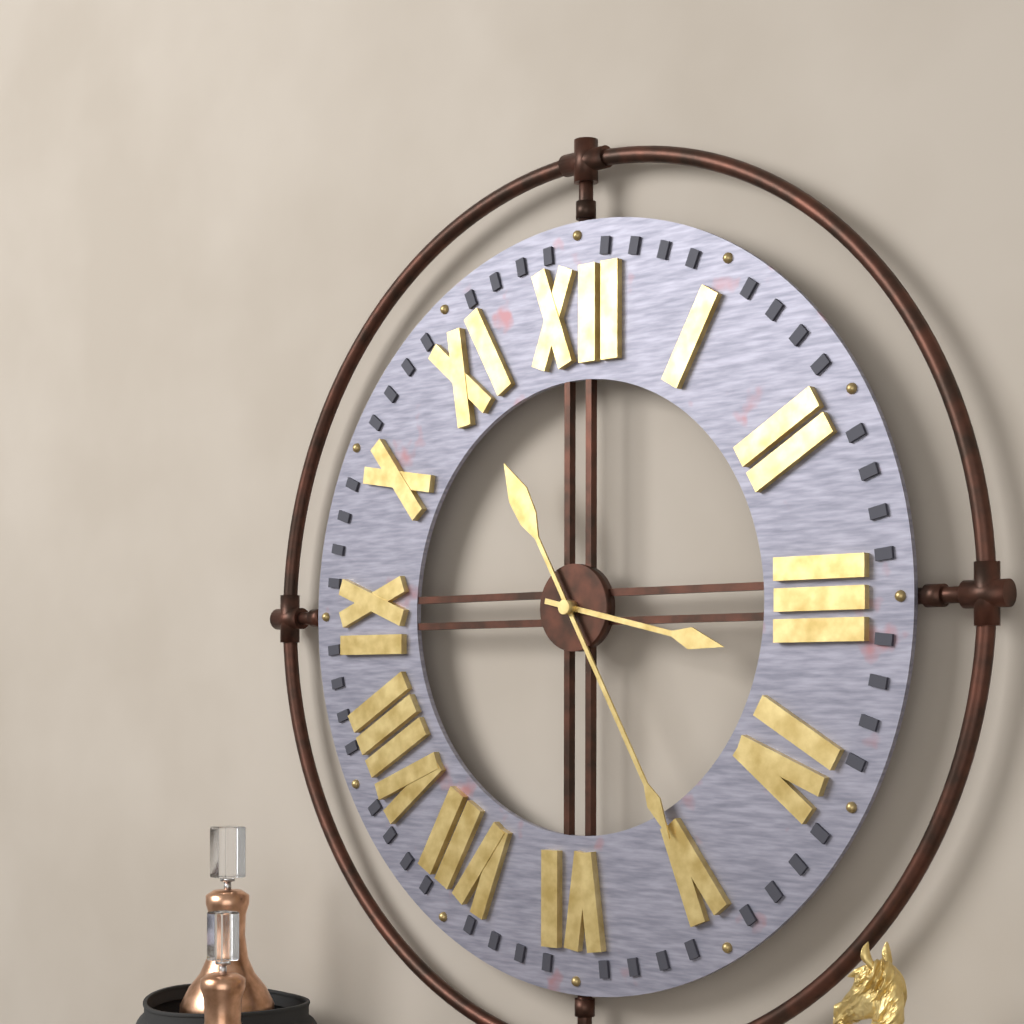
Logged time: h=3 m=25
